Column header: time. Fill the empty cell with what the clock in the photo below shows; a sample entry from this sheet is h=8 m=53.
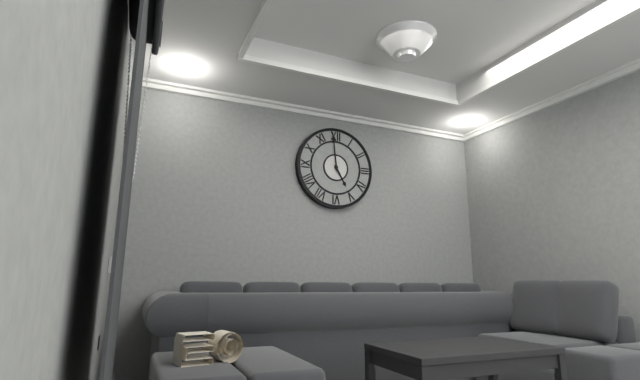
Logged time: h=4 m=59
